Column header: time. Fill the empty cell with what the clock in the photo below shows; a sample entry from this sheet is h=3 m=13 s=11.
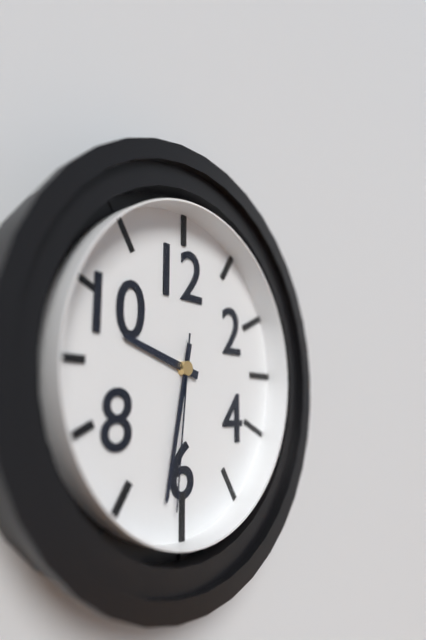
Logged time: h=9 m=32 s=31
